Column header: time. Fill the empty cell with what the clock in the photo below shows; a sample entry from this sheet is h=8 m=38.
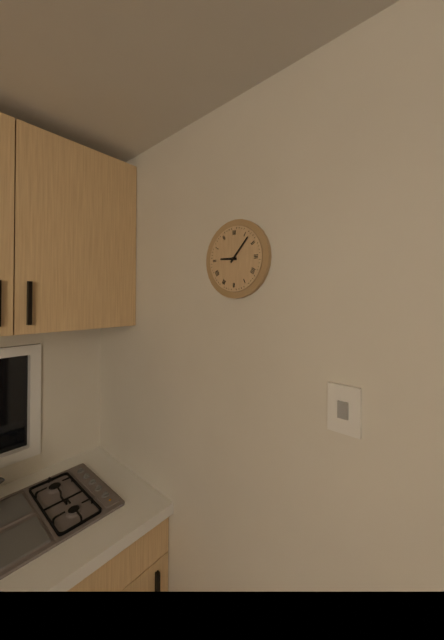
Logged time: h=9 m=7
